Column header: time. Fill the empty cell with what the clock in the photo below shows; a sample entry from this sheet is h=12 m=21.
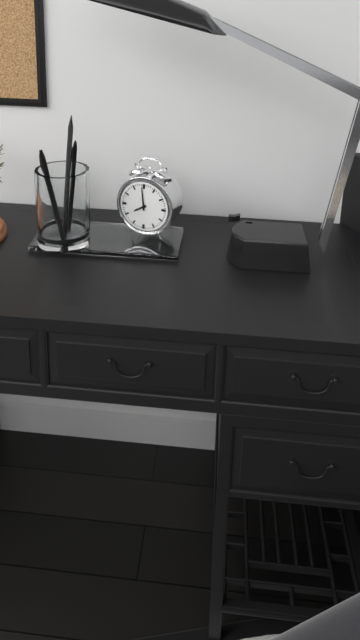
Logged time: h=7 m=59
